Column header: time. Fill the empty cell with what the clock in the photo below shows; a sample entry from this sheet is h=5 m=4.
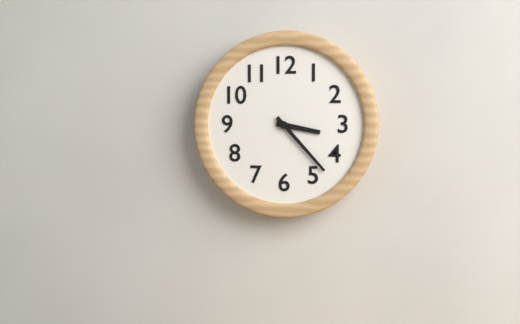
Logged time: h=3 m=23
